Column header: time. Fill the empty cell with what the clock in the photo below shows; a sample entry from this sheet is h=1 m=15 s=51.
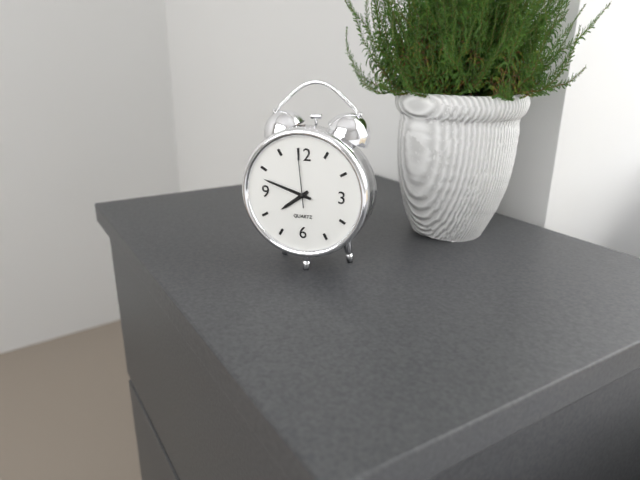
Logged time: h=7 m=48 s=59
